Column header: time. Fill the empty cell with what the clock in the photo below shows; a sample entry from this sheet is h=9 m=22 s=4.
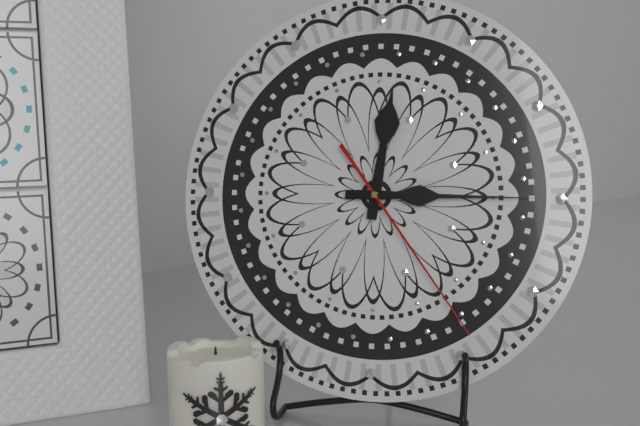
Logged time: h=12 m=15 s=24
